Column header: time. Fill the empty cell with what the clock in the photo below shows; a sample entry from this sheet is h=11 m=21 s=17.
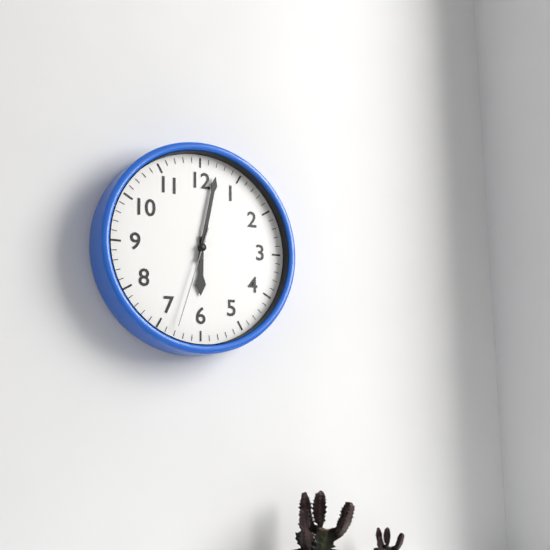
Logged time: h=6 m=2 s=33
